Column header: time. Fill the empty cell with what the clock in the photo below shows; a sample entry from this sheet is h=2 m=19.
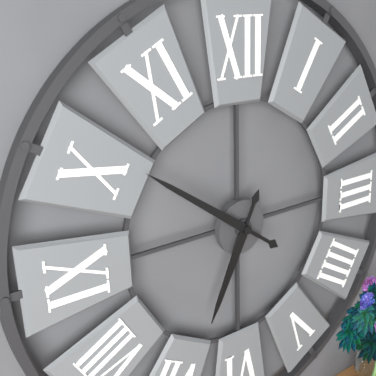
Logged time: h=6 m=51
